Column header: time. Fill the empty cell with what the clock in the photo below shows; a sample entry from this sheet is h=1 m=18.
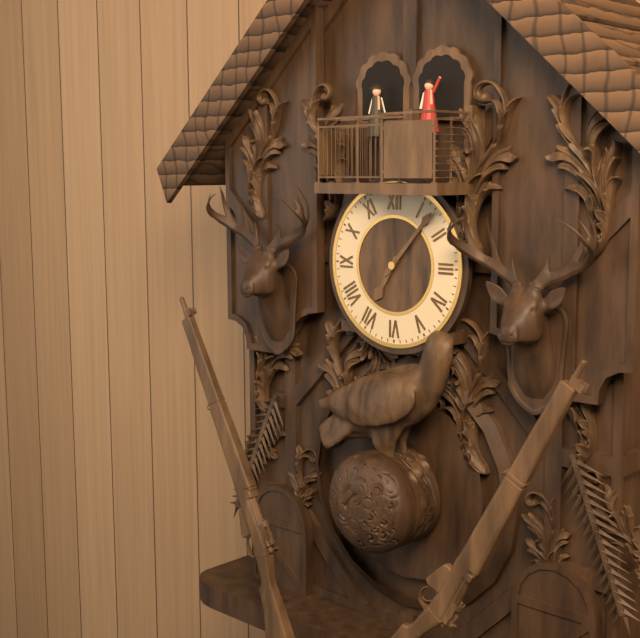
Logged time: h=7 m=7
